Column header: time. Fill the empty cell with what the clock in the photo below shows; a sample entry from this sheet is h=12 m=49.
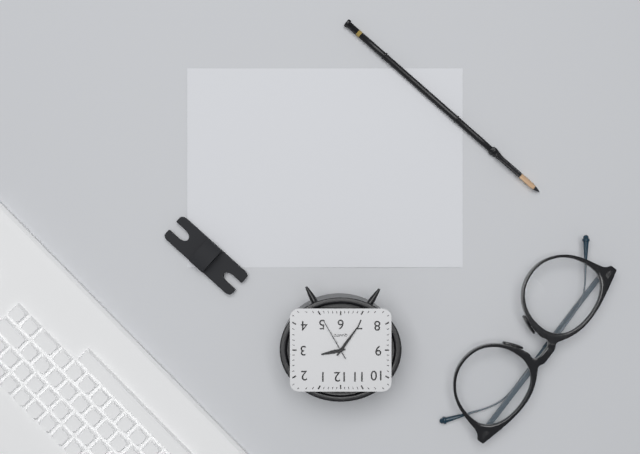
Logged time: h=2 m=36
